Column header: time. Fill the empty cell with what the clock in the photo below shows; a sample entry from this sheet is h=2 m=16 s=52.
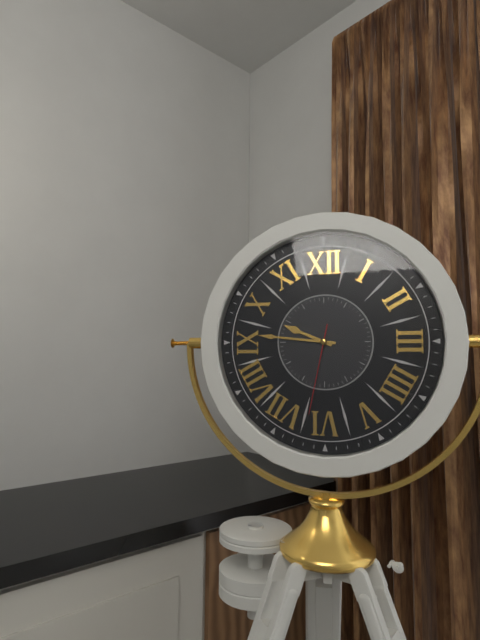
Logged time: h=9 m=46 s=32
